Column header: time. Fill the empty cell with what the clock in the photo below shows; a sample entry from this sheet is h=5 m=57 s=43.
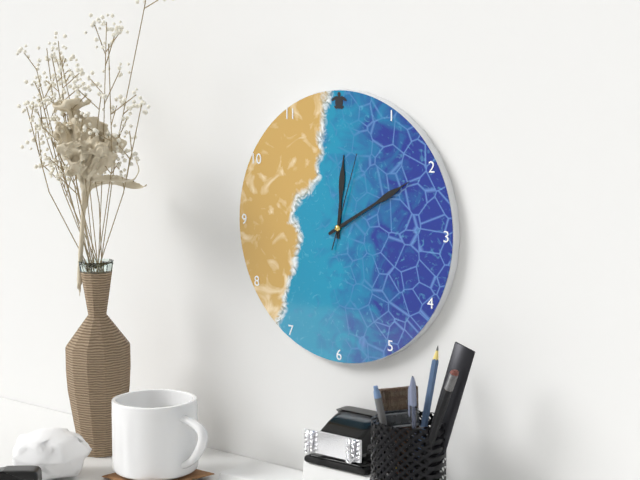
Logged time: h=12 m=10 s=3
